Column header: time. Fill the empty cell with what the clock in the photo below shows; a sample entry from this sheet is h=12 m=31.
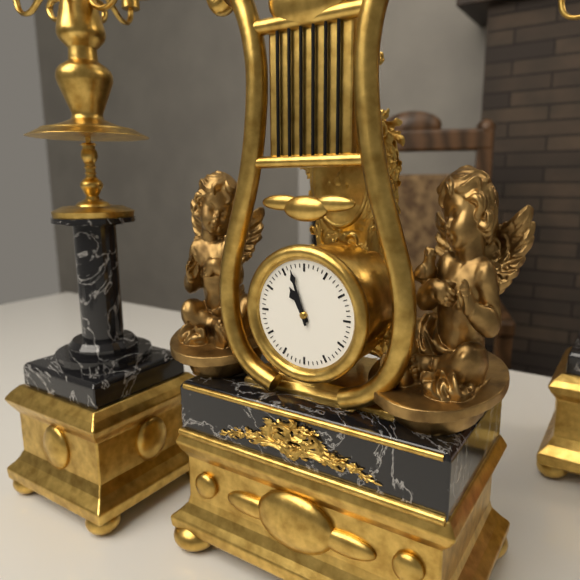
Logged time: h=10 m=57
